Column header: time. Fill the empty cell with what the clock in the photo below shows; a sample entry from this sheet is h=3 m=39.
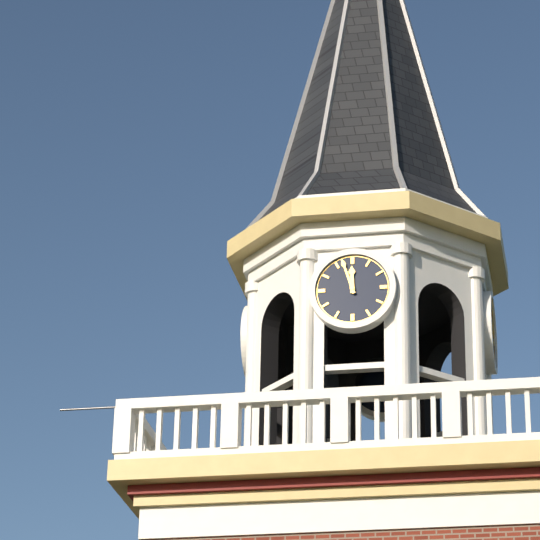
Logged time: h=11 m=57
